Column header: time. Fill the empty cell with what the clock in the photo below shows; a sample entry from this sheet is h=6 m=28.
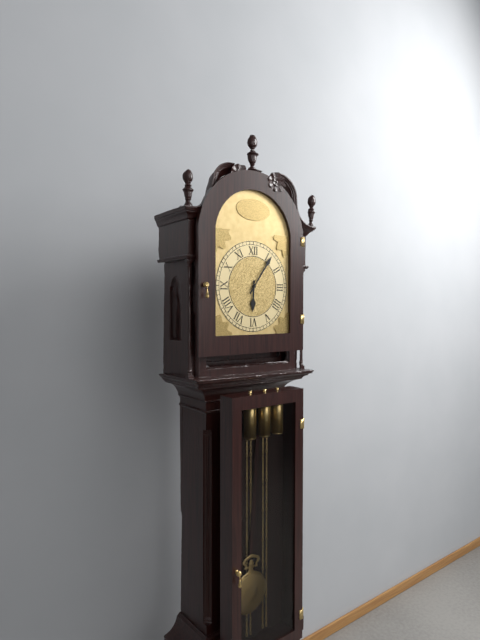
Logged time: h=6 m=6
